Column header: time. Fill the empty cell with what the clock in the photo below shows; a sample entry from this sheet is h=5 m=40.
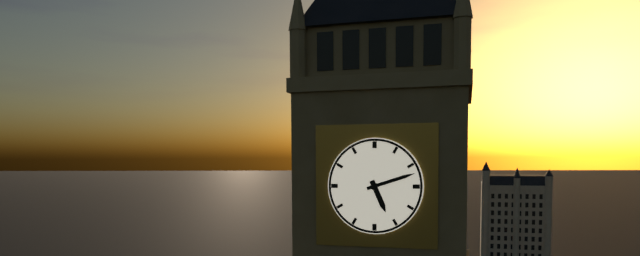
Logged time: h=5 m=12
